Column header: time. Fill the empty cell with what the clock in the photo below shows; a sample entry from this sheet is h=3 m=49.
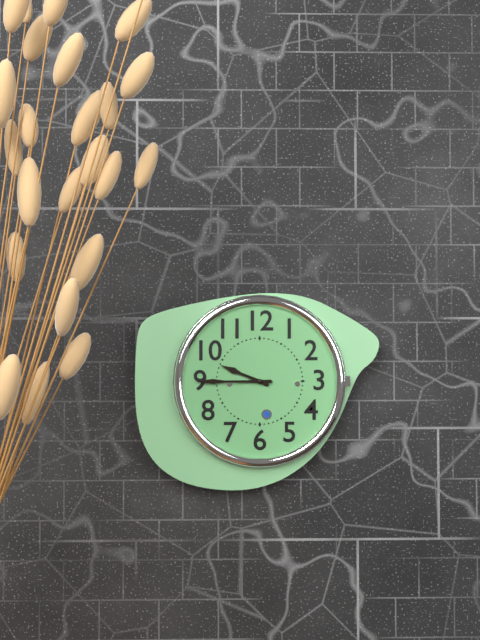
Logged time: h=9 m=45
